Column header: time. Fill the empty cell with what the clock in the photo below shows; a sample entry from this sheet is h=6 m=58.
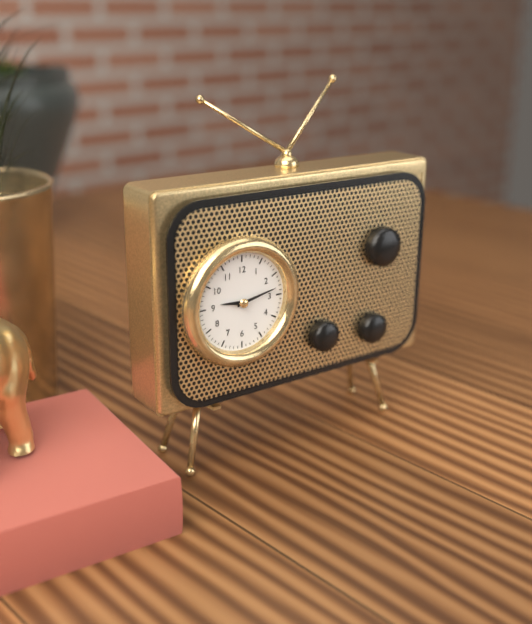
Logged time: h=9 m=13
